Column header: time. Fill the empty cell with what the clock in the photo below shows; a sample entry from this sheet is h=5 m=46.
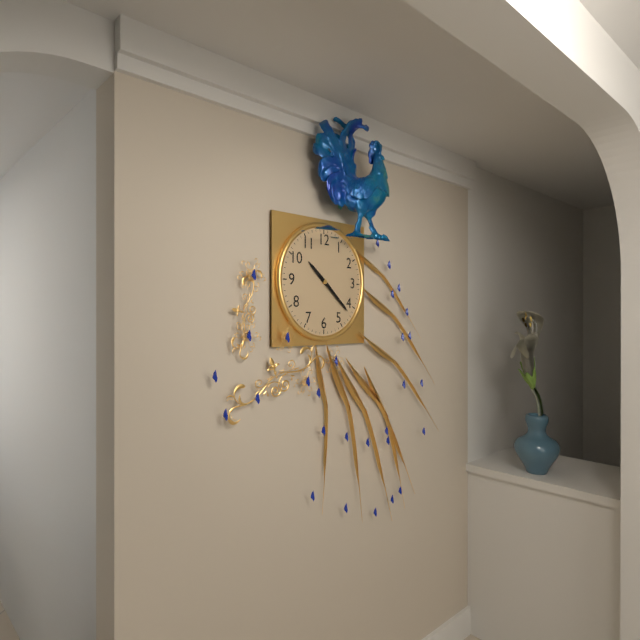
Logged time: h=10 m=22
